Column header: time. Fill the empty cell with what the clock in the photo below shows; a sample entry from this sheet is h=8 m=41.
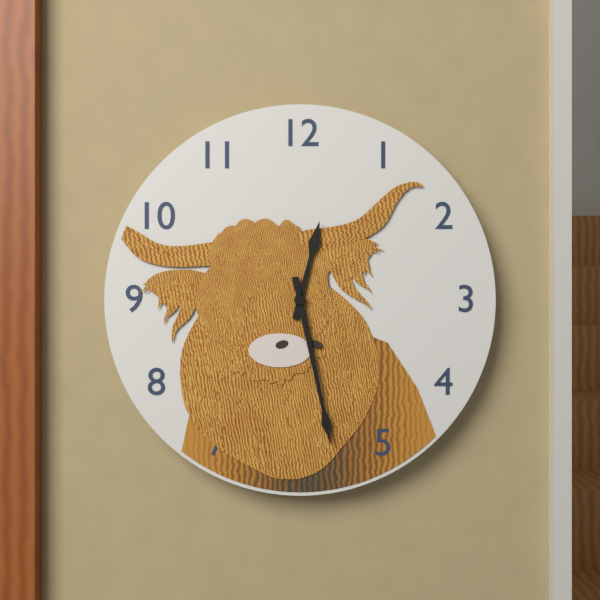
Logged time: h=12 m=28
